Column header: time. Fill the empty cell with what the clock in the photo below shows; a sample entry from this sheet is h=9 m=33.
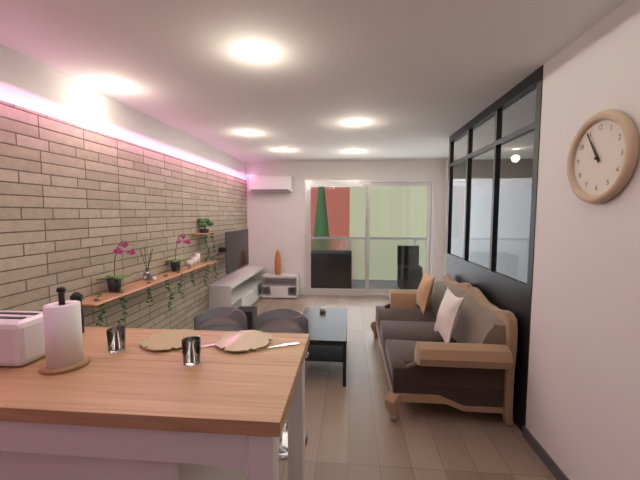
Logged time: h=10 m=55
